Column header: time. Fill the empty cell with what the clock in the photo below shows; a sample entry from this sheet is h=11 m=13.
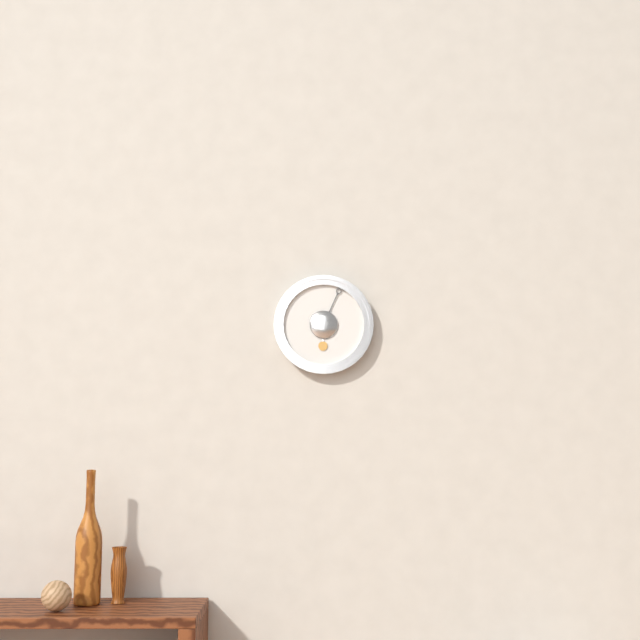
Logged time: h=6 m=4
